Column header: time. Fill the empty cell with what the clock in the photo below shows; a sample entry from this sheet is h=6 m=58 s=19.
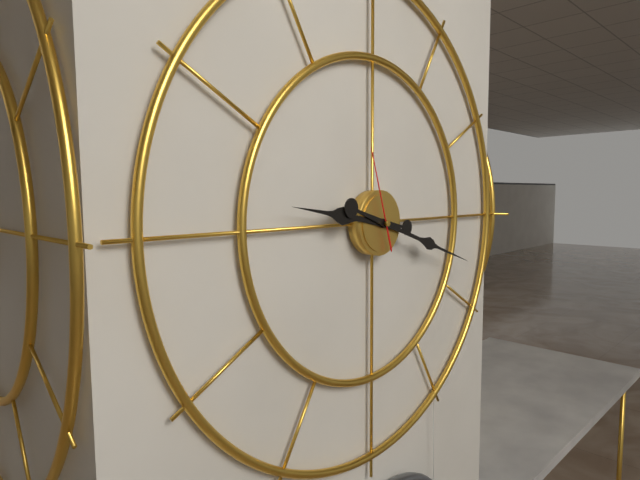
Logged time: h=9 m=18 s=57
